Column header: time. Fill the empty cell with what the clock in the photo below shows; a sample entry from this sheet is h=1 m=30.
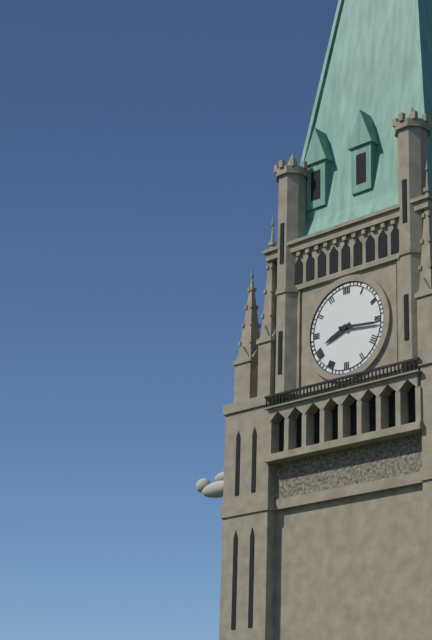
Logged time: h=8 m=16
